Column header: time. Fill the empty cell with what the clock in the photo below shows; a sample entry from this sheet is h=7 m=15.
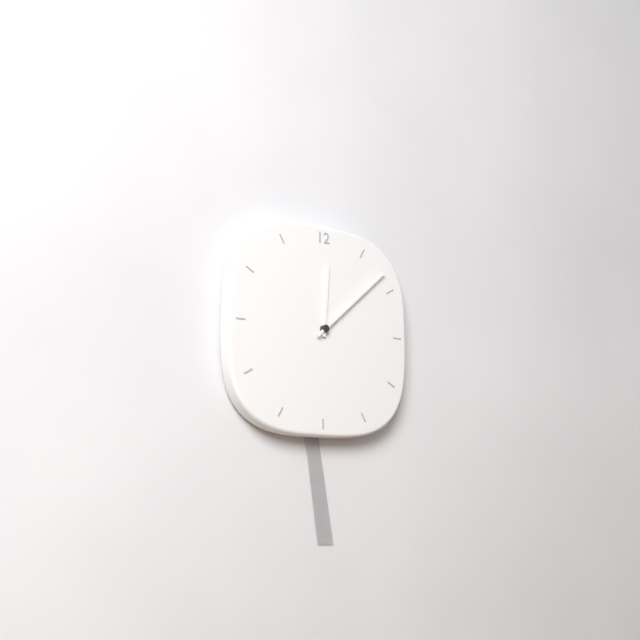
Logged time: h=12 m=8
